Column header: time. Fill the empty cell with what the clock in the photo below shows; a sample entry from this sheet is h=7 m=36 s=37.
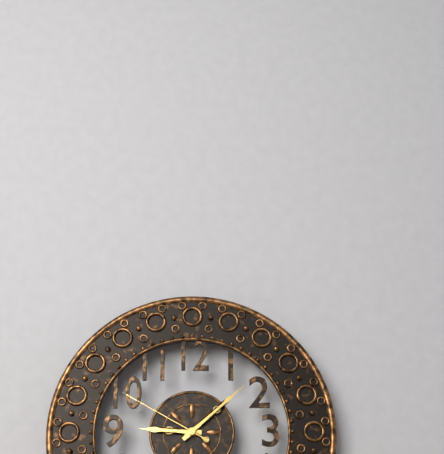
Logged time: h=9 m=8 s=50
